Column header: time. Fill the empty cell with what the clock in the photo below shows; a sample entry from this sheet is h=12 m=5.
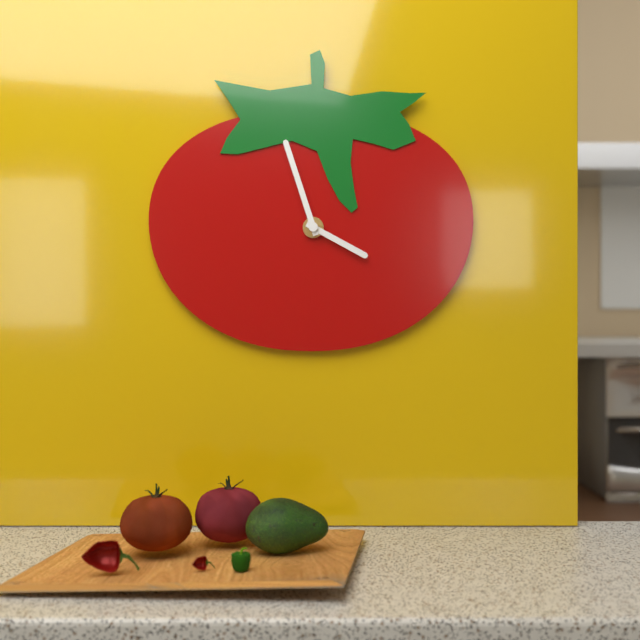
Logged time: h=3 m=57
